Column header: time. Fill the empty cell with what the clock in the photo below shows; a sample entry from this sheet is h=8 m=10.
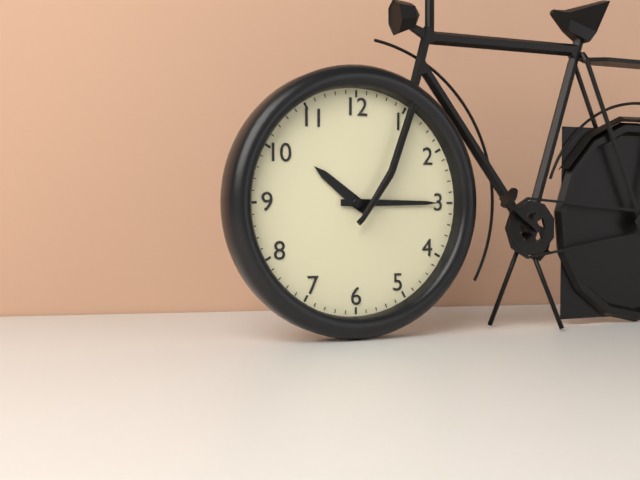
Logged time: h=10 m=15
